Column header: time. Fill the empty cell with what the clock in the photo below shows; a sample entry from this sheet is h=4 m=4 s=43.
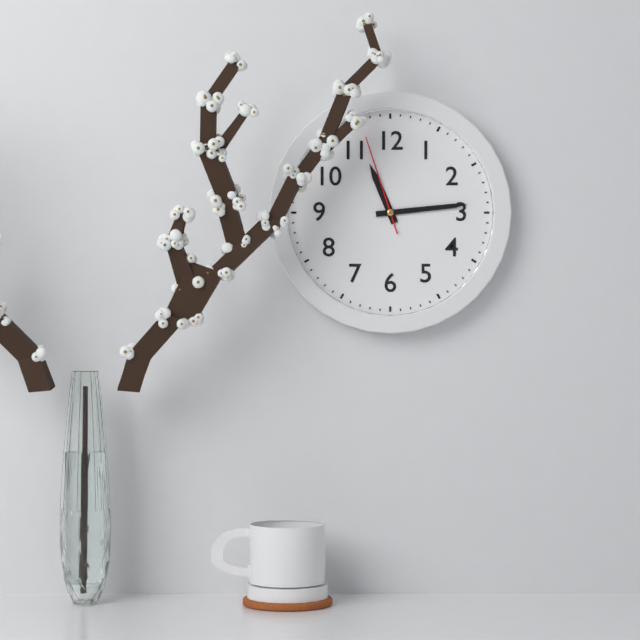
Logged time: h=11 m=14 s=57
